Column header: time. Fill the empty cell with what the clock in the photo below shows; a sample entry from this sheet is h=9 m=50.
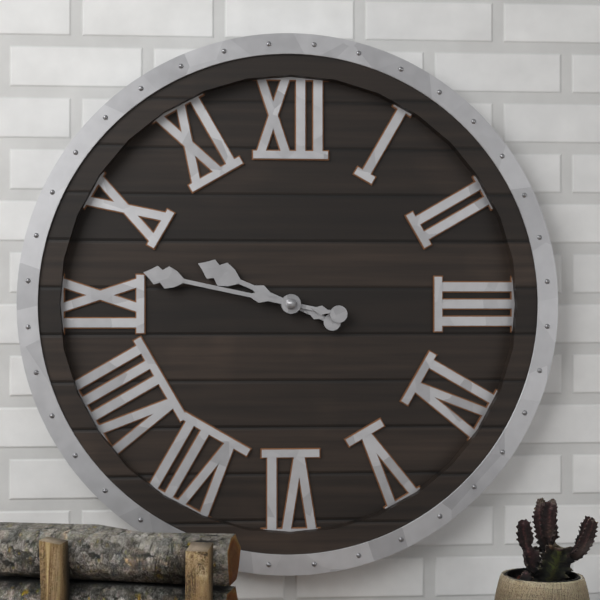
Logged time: h=9 m=47
